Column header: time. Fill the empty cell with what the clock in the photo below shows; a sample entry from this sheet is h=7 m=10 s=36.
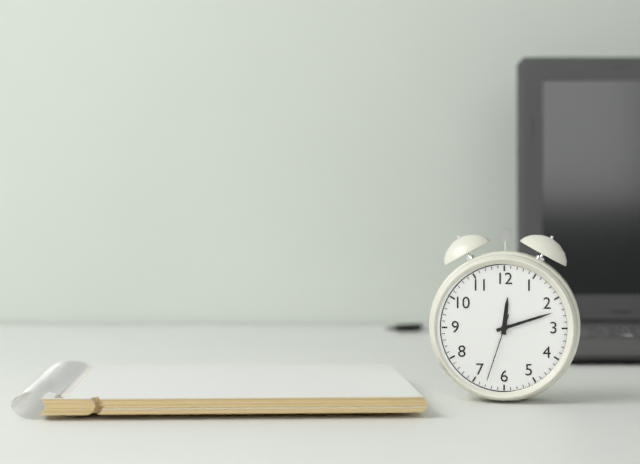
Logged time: h=12 m=12 s=33
